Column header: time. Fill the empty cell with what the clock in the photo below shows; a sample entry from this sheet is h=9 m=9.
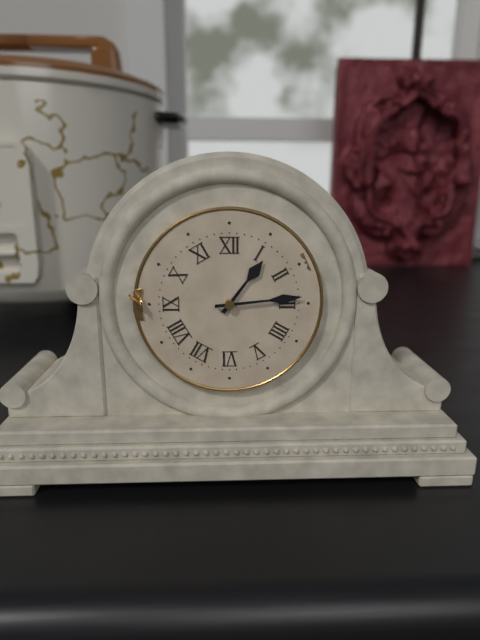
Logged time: h=1 m=14
